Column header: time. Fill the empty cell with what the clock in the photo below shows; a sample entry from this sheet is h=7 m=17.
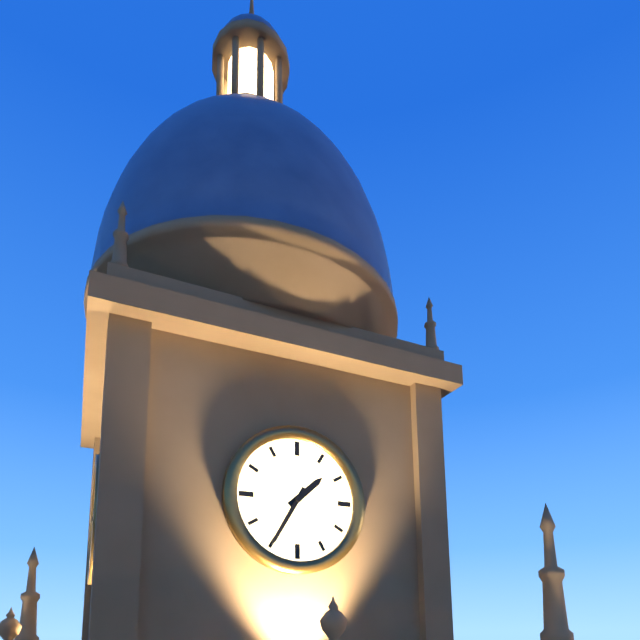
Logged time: h=1 m=35
